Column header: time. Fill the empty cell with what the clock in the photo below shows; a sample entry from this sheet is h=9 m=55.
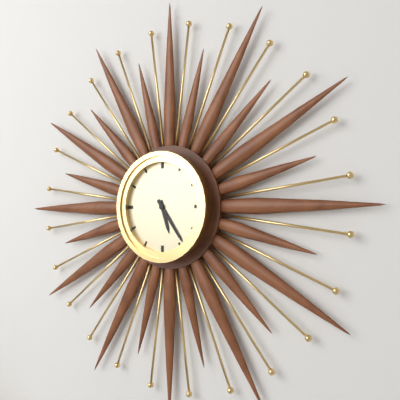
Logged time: h=5 m=24
